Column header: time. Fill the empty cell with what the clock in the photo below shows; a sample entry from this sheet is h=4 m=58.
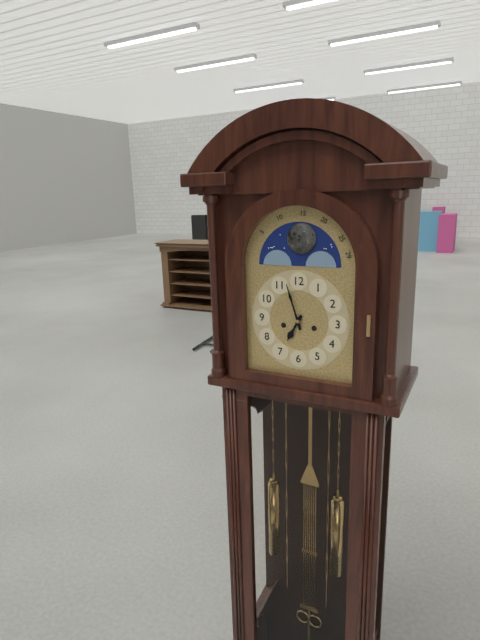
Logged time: h=6 m=57
